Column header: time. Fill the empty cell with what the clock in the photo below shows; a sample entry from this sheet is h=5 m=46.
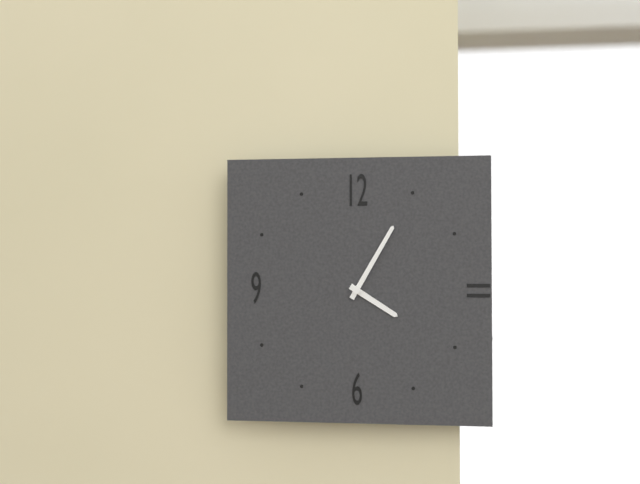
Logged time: h=4 m=5
